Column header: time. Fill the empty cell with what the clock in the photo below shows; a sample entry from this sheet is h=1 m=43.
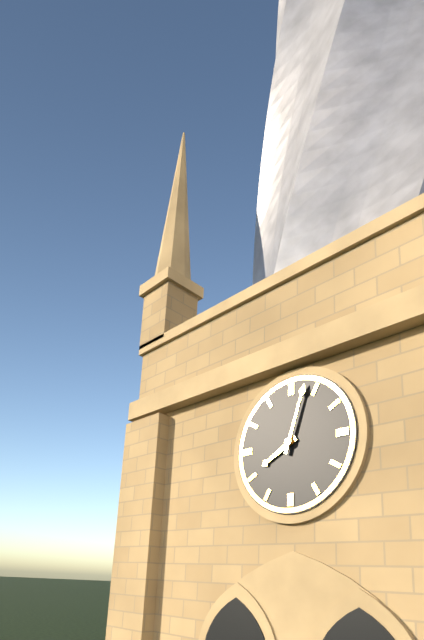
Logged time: h=8 m=3
